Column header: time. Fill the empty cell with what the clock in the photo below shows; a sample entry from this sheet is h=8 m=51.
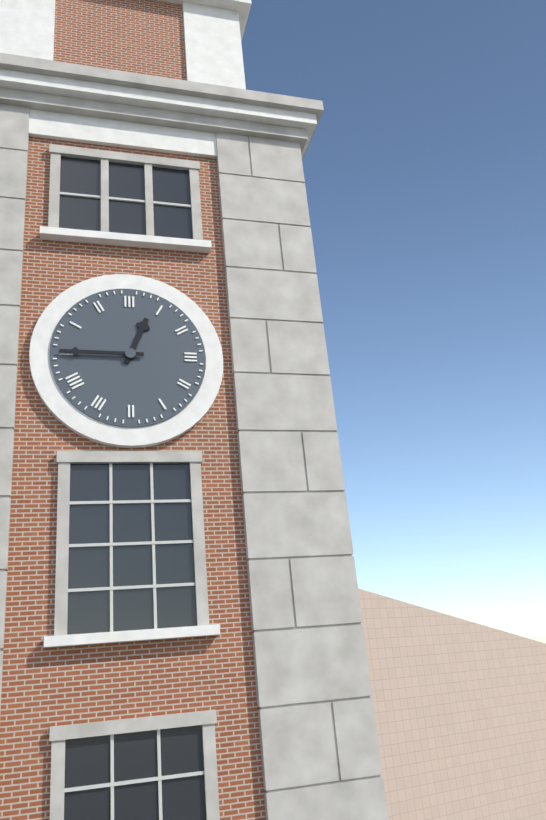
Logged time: h=12 m=45
